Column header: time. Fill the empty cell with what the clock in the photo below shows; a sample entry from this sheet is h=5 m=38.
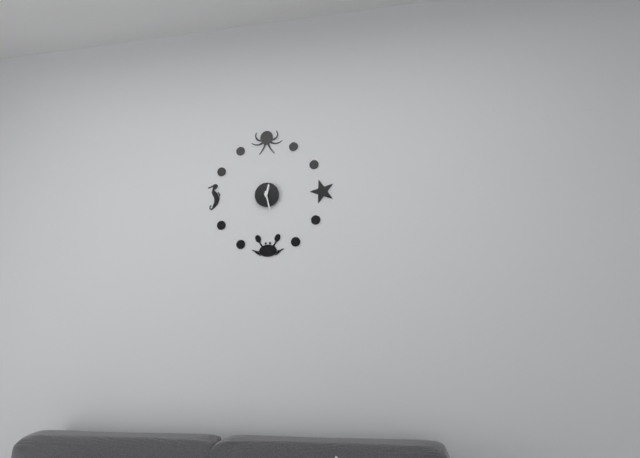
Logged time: h=12 m=28
